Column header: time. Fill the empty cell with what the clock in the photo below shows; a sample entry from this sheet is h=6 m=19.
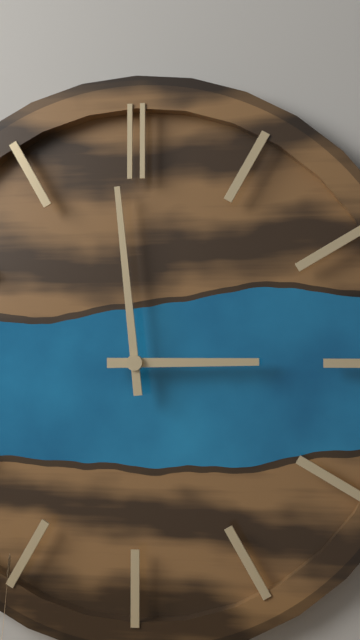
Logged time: h=2 m=59
